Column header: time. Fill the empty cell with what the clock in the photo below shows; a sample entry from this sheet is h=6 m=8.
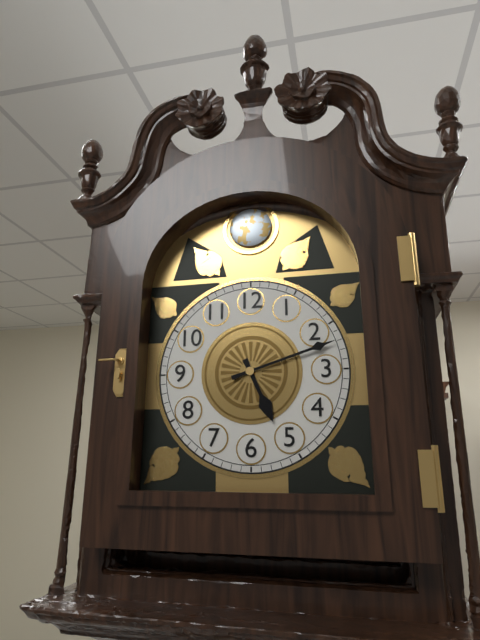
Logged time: h=5 m=12
